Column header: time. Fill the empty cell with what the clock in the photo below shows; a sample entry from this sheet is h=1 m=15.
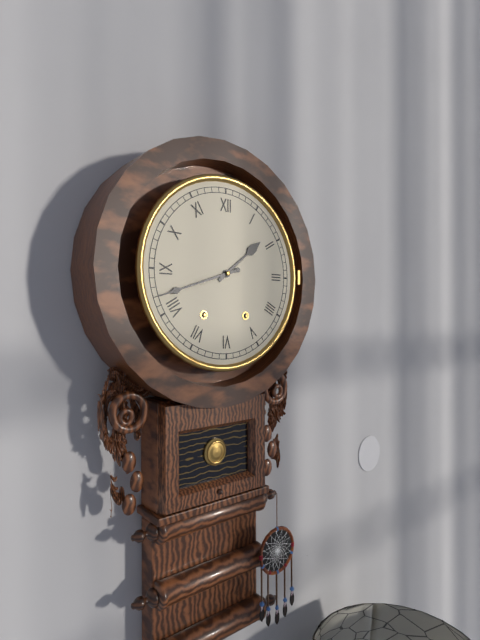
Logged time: h=1 m=42
